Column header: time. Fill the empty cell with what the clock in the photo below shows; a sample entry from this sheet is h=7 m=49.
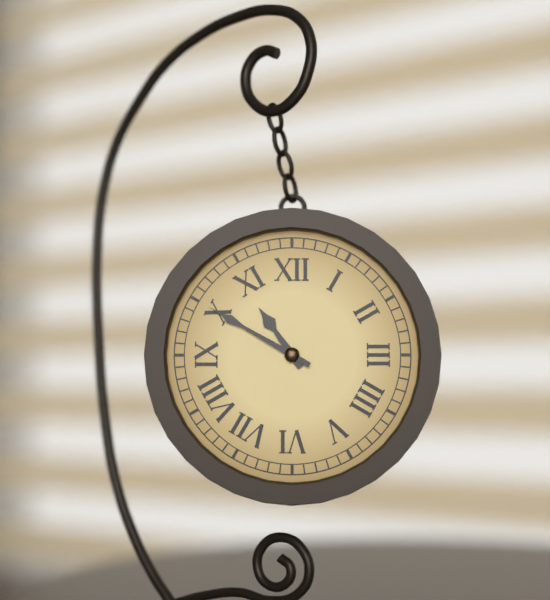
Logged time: h=10 m=50
